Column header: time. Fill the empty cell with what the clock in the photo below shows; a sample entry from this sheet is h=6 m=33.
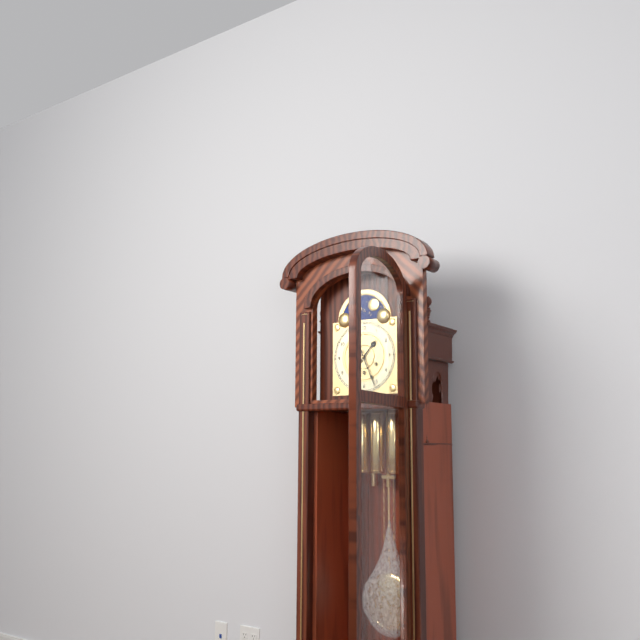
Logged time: h=1 m=26
